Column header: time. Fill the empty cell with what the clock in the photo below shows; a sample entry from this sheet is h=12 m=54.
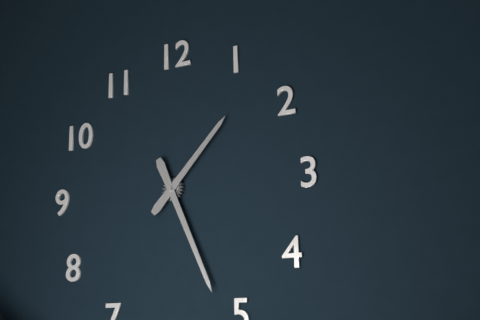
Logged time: h=1 m=26
